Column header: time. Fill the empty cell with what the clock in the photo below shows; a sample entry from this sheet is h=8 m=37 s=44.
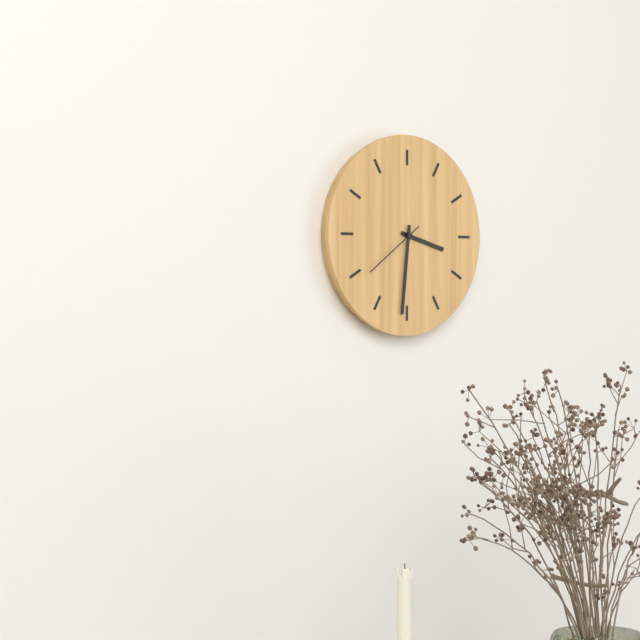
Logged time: h=3 m=31 s=39
